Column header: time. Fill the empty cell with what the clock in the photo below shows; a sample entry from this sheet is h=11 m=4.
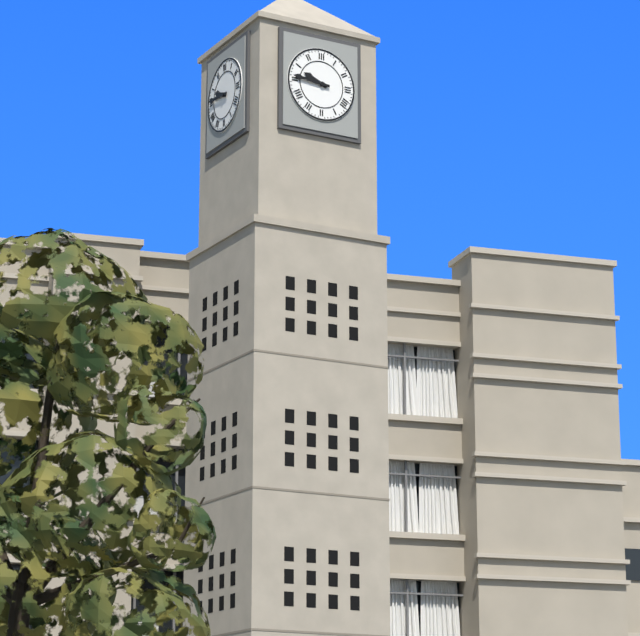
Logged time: h=9 m=46
